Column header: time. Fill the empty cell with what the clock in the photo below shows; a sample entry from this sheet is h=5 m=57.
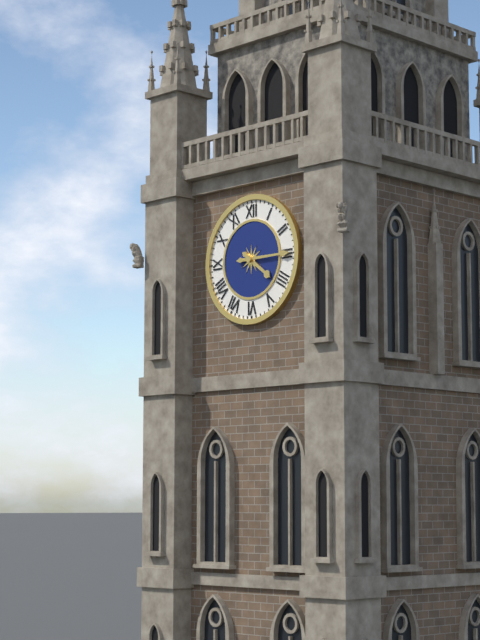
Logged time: h=4 m=15
